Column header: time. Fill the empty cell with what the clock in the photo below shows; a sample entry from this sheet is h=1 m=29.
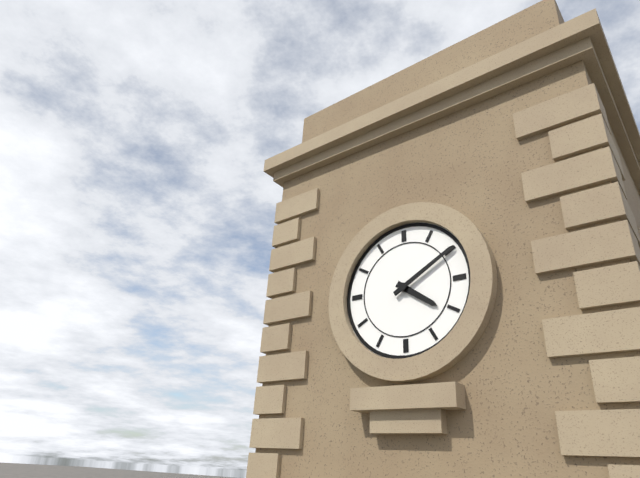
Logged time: h=4 m=10
